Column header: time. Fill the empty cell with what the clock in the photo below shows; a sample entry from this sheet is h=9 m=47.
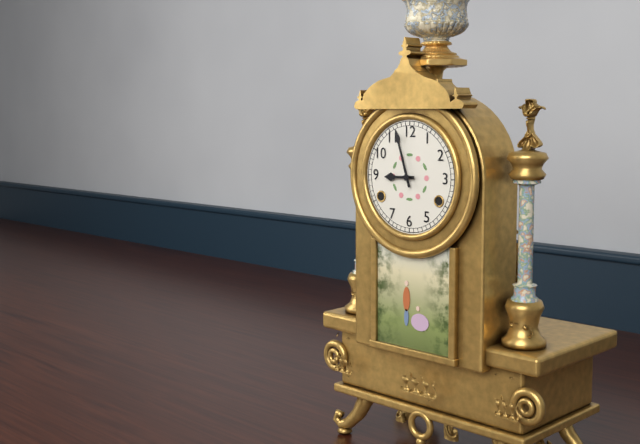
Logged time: h=8 m=57
